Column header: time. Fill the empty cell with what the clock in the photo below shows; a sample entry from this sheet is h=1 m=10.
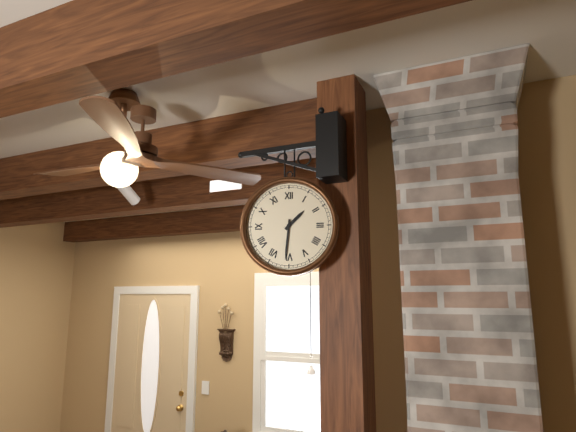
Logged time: h=1 m=31
